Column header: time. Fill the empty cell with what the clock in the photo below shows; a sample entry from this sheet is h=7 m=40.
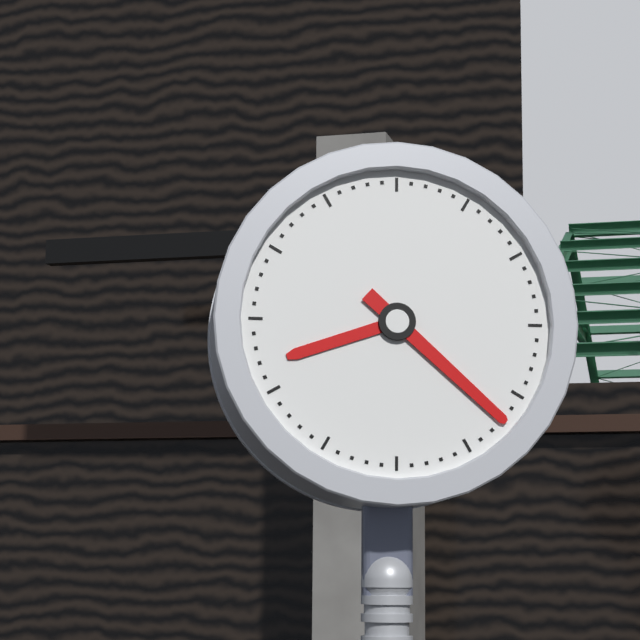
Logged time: h=8 m=22
